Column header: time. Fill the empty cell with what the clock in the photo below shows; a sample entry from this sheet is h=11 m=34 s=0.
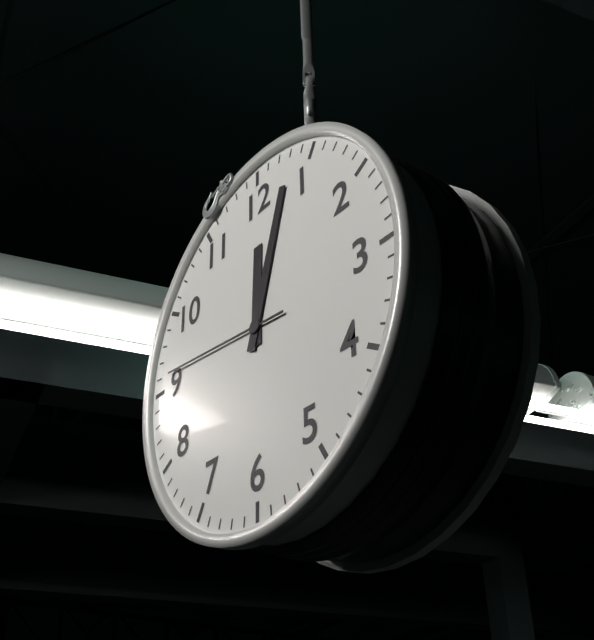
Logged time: h=12 m=3 s=46
